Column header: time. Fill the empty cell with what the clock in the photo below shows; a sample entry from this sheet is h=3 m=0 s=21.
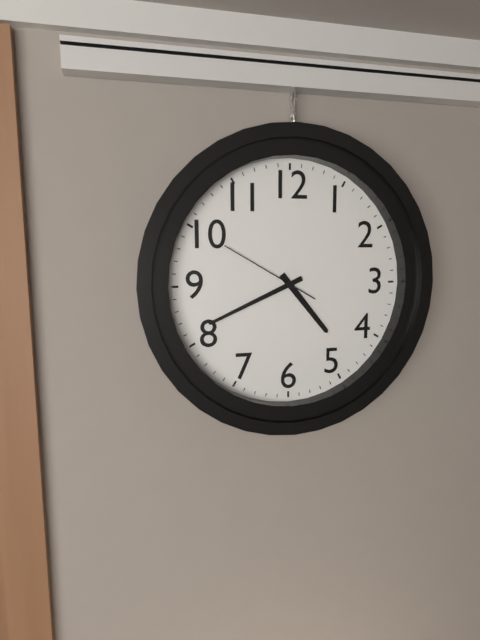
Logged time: h=4 m=41 s=50
